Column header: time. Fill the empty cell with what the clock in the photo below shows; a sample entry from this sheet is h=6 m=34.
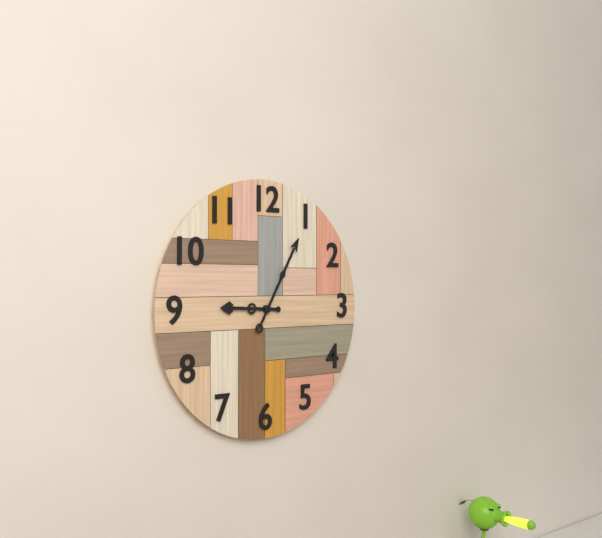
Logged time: h=9 m=5
